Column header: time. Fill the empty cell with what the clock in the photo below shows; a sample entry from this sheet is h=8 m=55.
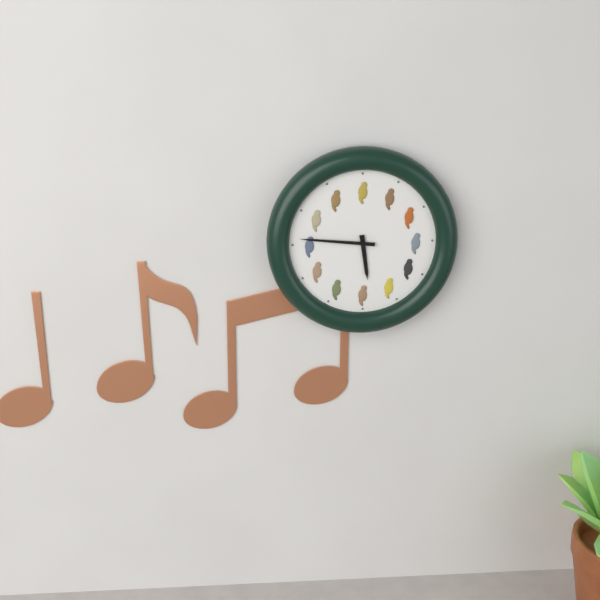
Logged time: h=5 m=46
